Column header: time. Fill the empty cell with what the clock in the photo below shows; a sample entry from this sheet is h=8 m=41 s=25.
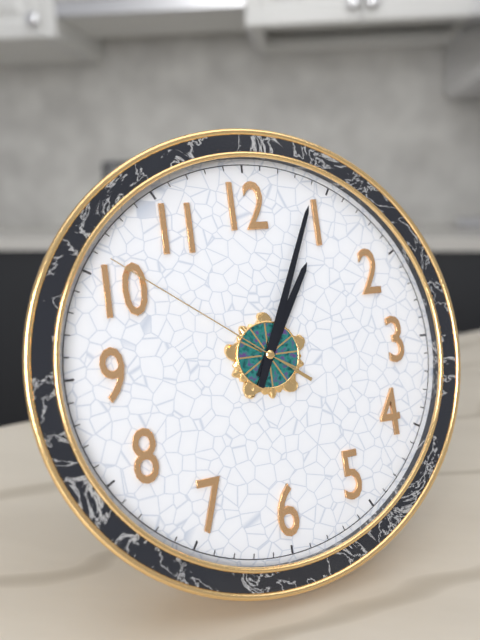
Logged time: h=1 m=4 s=51
